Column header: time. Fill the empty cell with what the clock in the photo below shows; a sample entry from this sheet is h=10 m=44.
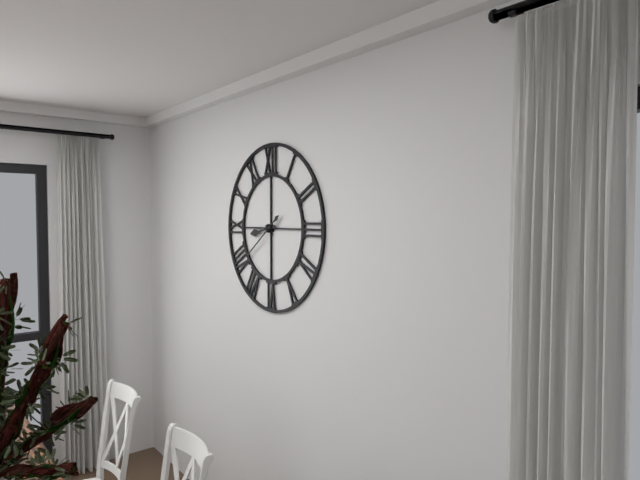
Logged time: h=8 m=39
